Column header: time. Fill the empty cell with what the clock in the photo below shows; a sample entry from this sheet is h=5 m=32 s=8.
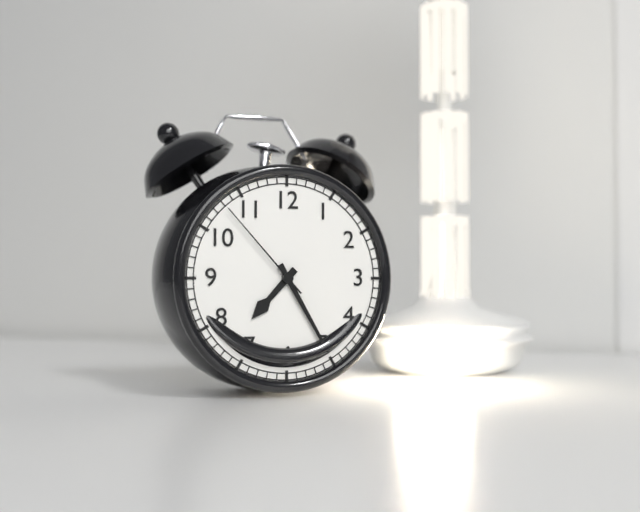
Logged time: h=7 m=25 s=53
